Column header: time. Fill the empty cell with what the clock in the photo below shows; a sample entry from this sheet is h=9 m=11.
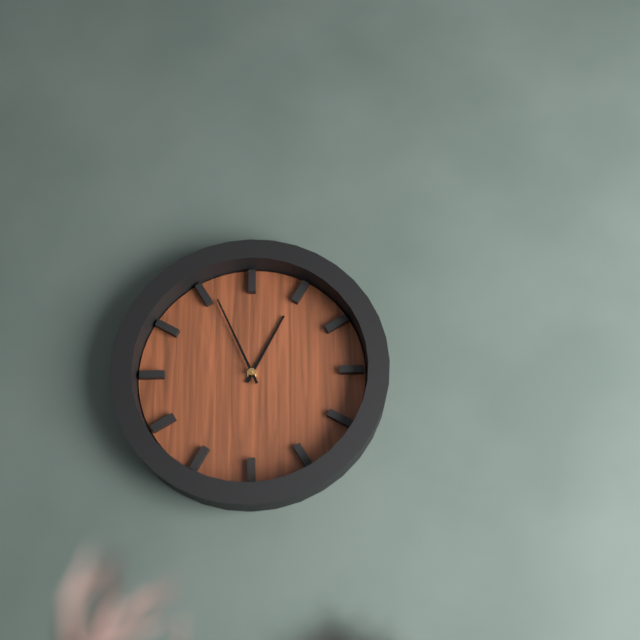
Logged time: h=12 m=56
